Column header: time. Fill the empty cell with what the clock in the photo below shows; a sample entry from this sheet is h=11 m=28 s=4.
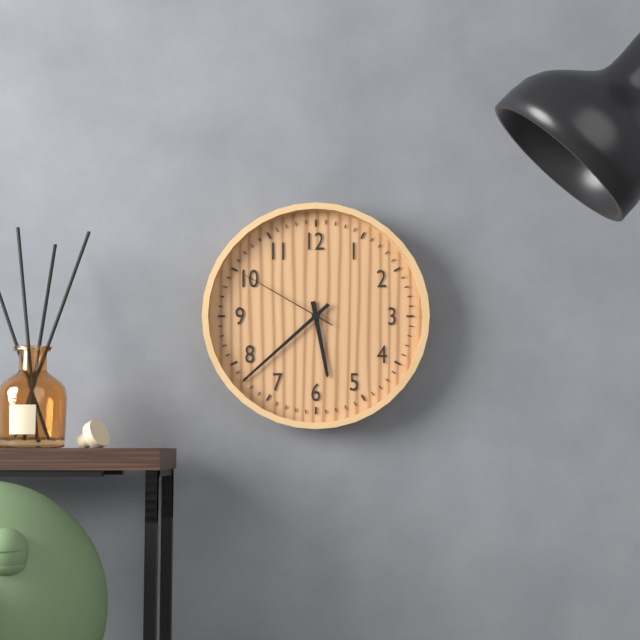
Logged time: h=5 m=38 s=50
